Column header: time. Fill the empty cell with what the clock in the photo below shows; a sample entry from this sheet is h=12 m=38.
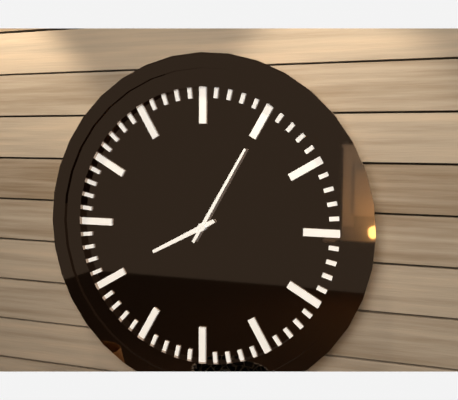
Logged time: h=8 m=5
